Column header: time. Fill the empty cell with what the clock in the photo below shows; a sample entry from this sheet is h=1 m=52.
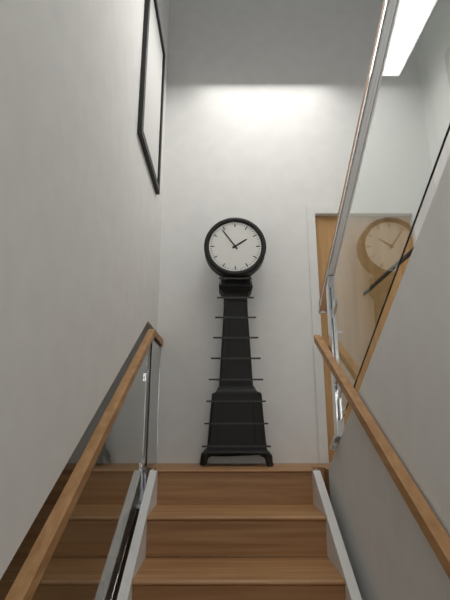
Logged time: h=1 m=54
